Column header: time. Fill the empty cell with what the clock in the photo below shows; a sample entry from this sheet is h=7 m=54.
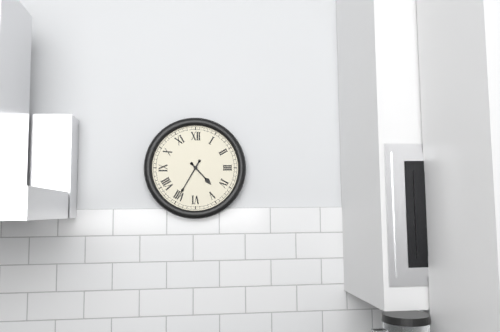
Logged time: h=4 m=35
